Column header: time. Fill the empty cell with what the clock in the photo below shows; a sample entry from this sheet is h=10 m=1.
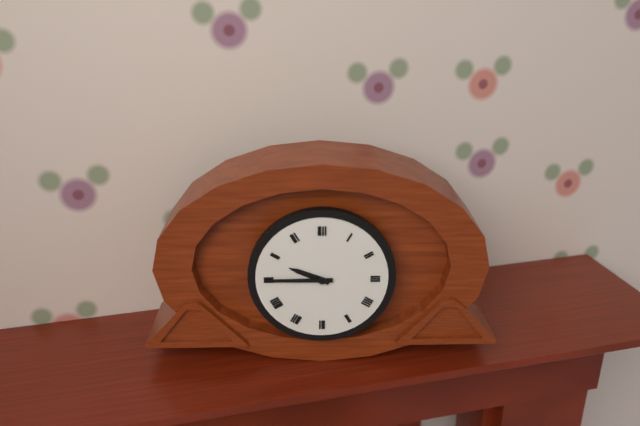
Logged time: h=9 m=45
